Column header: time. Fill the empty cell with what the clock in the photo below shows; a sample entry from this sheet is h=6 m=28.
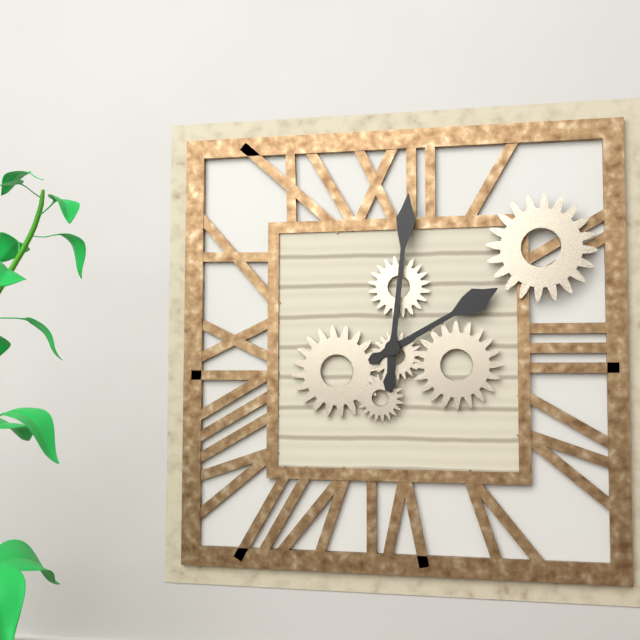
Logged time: h=2 m=1
